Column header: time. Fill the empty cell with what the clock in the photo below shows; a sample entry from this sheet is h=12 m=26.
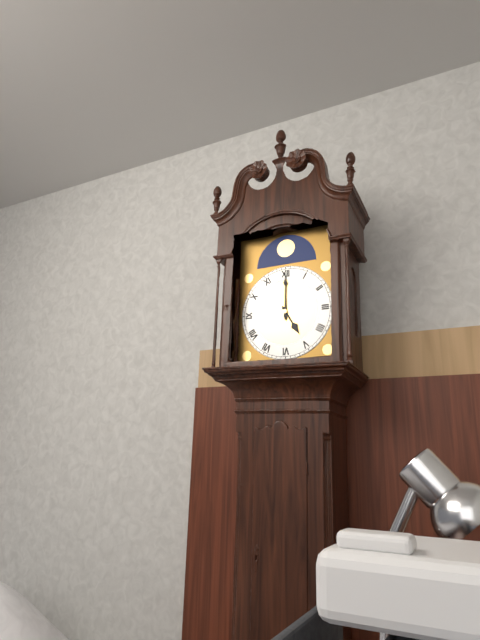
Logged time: h=5 m=0
